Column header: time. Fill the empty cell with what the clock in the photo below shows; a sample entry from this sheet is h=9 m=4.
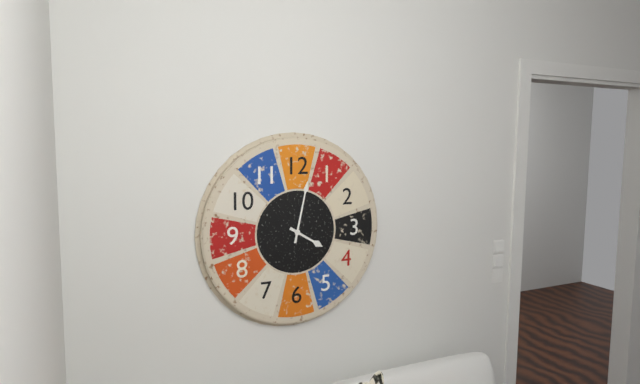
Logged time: h=4 m=2
